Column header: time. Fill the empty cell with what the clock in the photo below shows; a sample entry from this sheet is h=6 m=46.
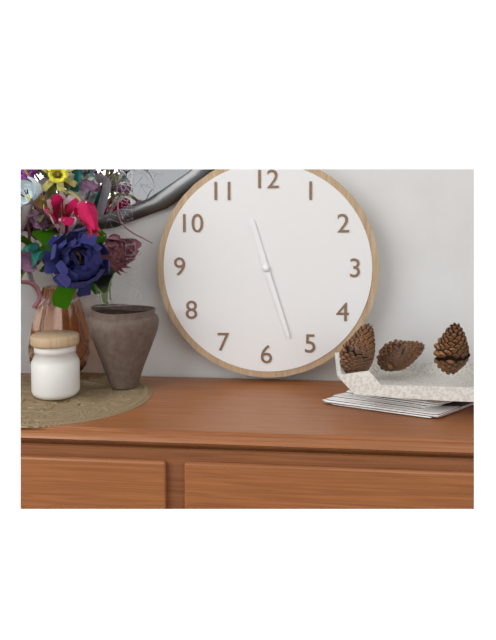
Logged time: h=11 m=27
